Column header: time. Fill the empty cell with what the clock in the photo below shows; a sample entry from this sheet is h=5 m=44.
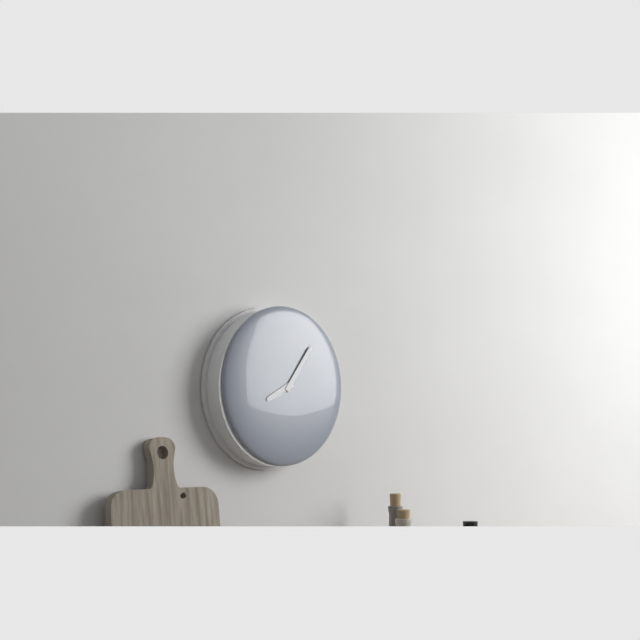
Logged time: h=8 m=6
